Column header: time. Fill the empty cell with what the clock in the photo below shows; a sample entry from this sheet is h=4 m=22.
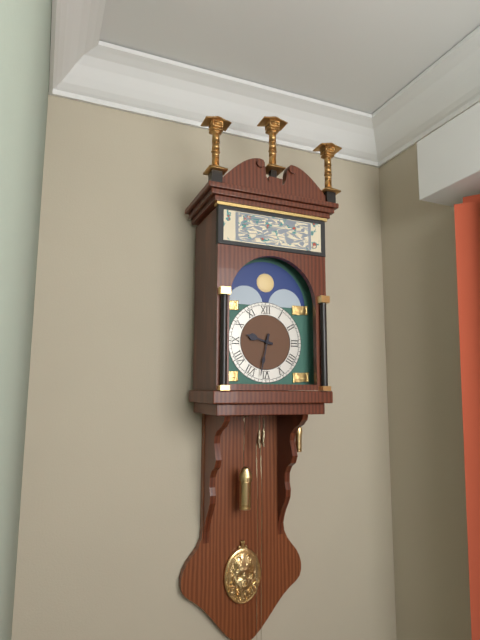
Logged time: h=9 m=32
